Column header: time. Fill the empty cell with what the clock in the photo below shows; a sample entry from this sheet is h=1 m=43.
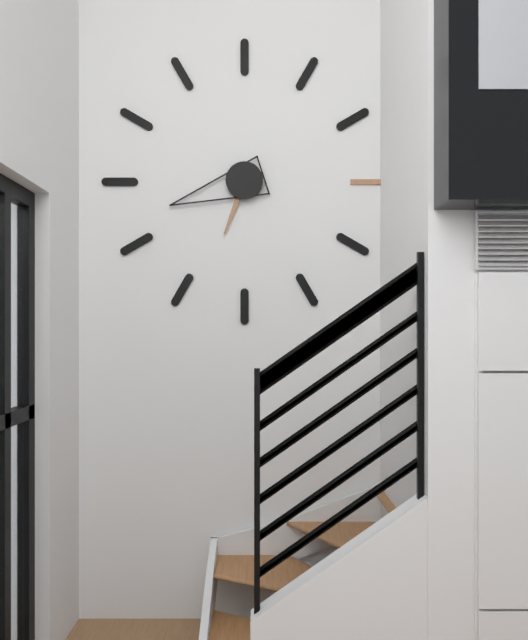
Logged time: h=6 m=42
